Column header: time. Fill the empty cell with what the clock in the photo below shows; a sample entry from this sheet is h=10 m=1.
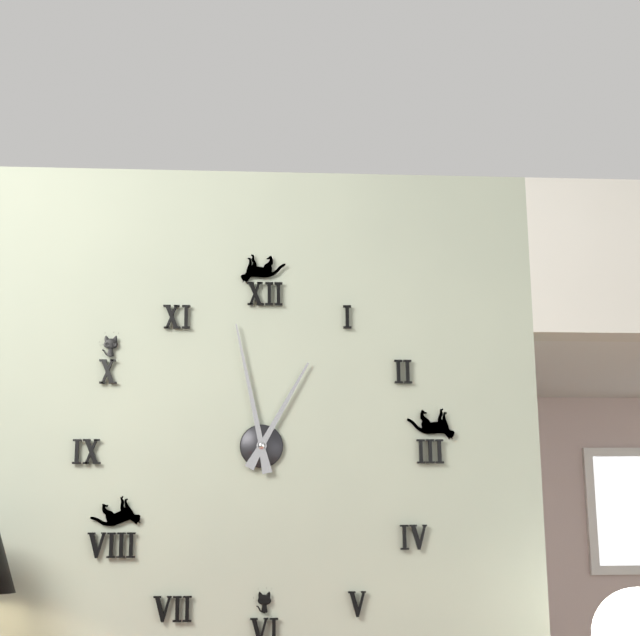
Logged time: h=12 m=58
